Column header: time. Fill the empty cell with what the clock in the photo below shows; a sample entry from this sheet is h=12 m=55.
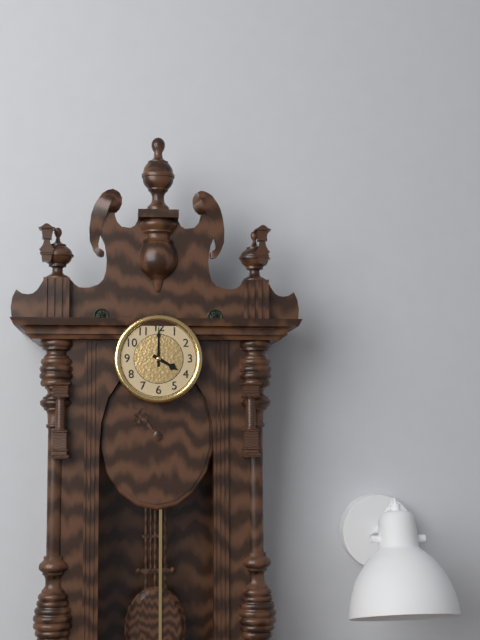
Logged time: h=4 m=0
